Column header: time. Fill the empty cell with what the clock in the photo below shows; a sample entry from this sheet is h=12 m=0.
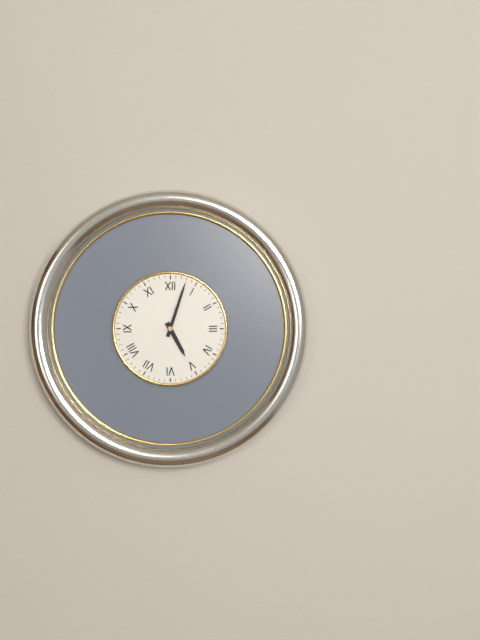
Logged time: h=5 m=3
